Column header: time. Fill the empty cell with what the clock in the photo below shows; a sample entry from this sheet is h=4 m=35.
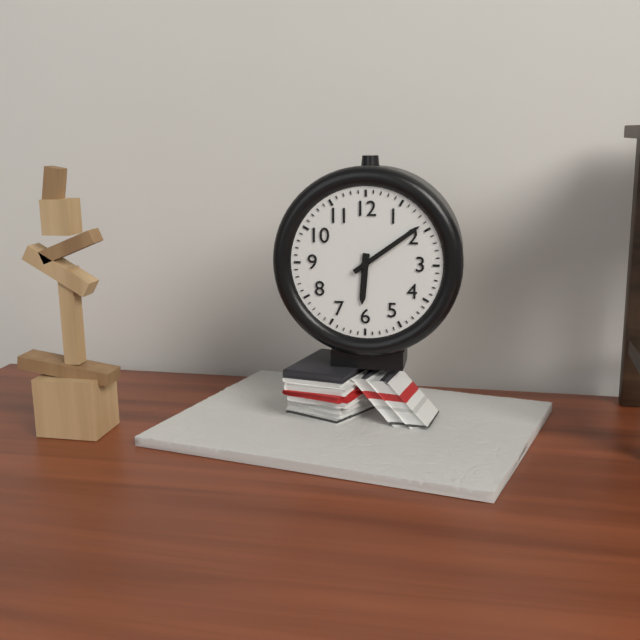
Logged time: h=6 m=9
